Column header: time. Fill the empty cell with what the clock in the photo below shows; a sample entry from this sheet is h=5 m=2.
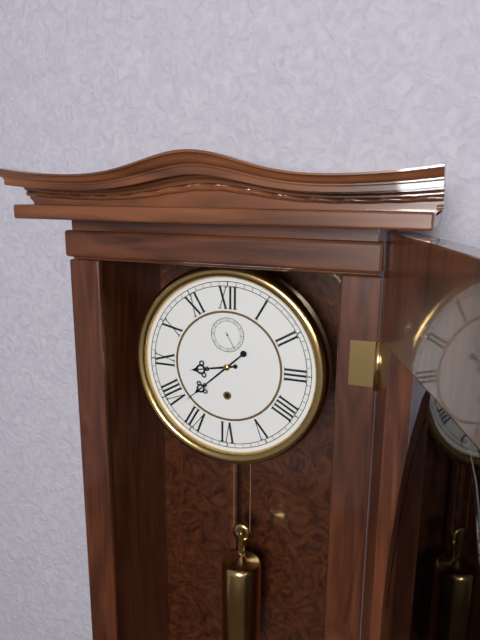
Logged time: h=8 m=38
